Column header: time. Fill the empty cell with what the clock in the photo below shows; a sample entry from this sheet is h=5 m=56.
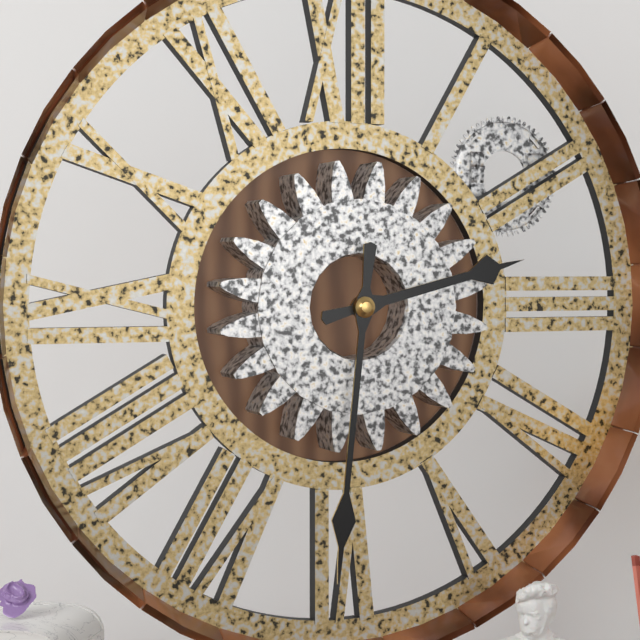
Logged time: h=2 m=31
